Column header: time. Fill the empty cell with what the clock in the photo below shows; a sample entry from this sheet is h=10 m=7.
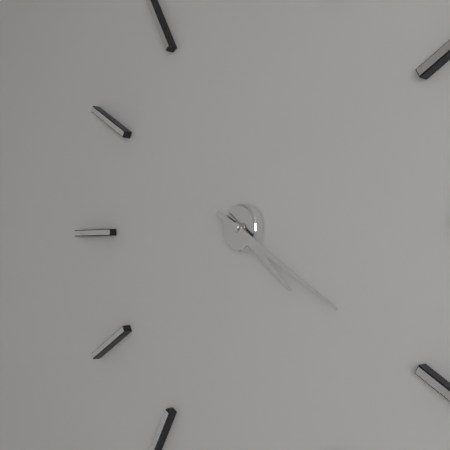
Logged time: h=4 m=20
